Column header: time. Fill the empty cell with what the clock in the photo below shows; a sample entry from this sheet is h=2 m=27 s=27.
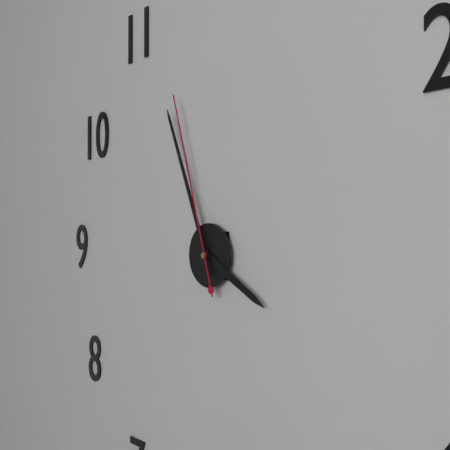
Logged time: h=3 m=56 s=57
